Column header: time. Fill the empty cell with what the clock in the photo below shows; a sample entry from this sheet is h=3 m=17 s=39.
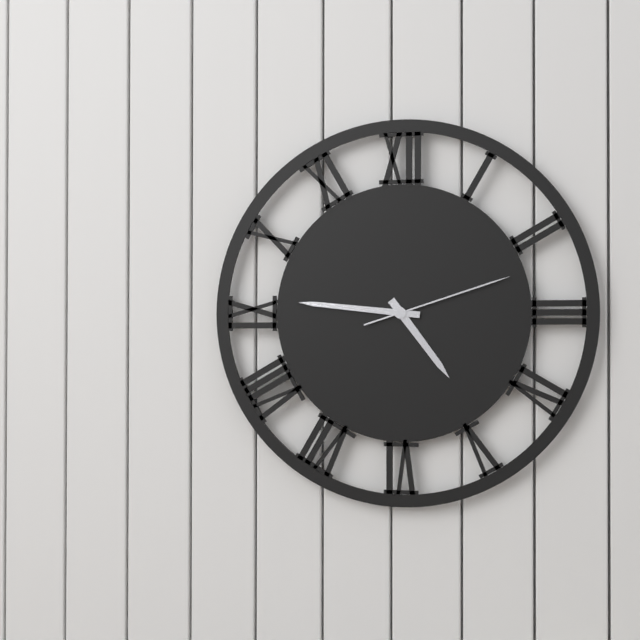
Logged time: h=4 m=46 s=12
